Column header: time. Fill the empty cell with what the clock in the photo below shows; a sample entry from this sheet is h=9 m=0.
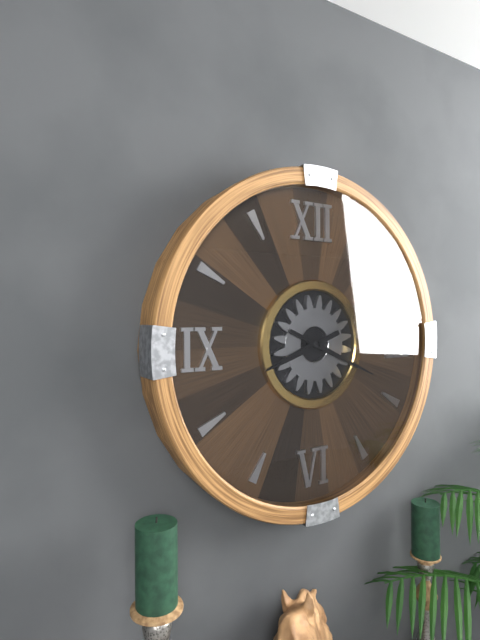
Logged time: h=8 m=19
